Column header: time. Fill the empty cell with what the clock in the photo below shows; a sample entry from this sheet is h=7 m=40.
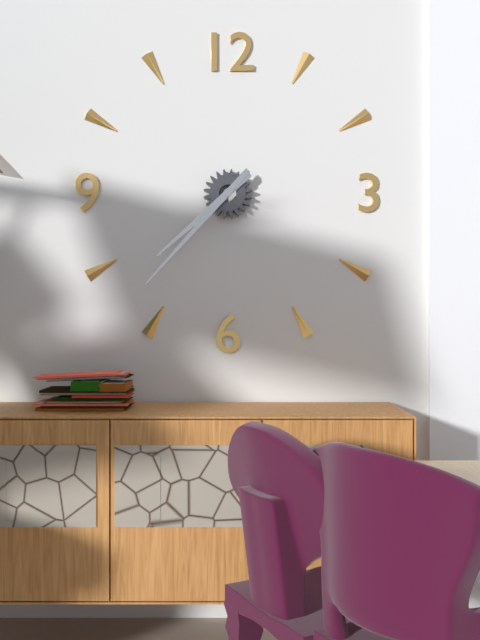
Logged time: h=7 m=37
